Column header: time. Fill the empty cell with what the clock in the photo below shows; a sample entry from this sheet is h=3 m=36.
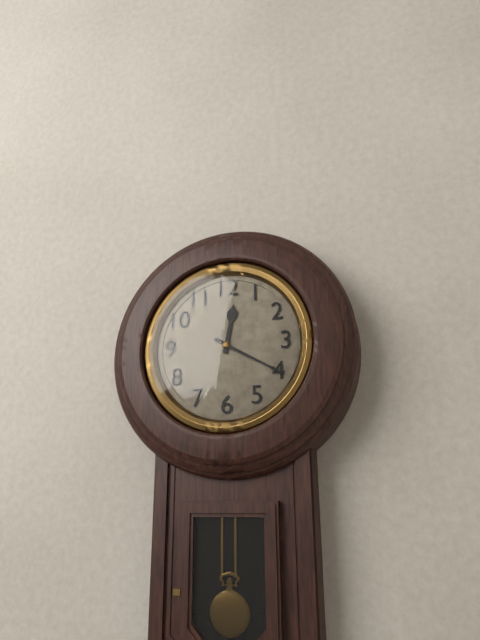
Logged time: h=12 m=20
